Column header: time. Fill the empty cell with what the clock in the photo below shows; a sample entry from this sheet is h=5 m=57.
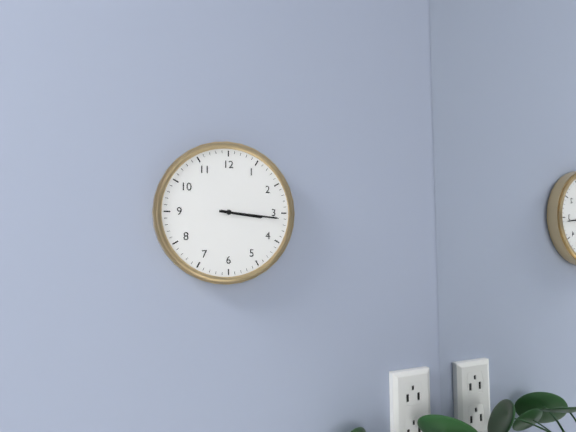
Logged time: h=3 m=16
